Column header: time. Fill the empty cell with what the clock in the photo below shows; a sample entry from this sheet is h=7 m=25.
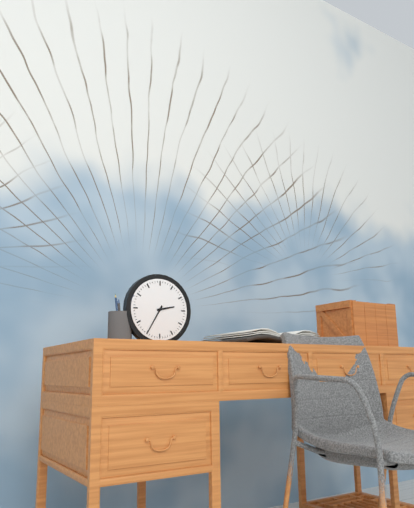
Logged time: h=2 m=35
